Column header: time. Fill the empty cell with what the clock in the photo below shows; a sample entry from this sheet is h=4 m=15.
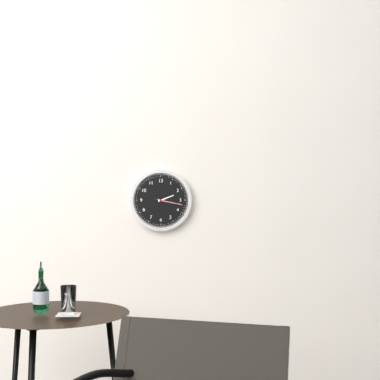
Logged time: h=2 m=17
